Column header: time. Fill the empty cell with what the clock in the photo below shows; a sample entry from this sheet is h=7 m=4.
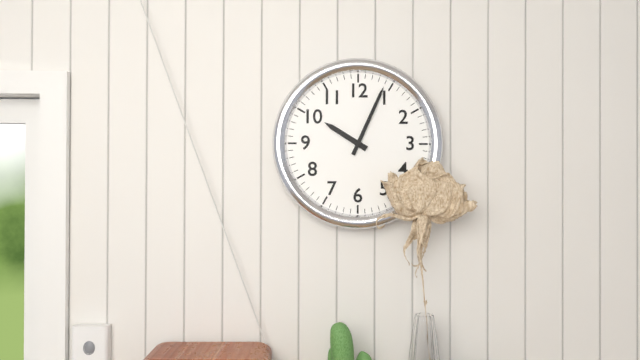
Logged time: h=10 m=4
